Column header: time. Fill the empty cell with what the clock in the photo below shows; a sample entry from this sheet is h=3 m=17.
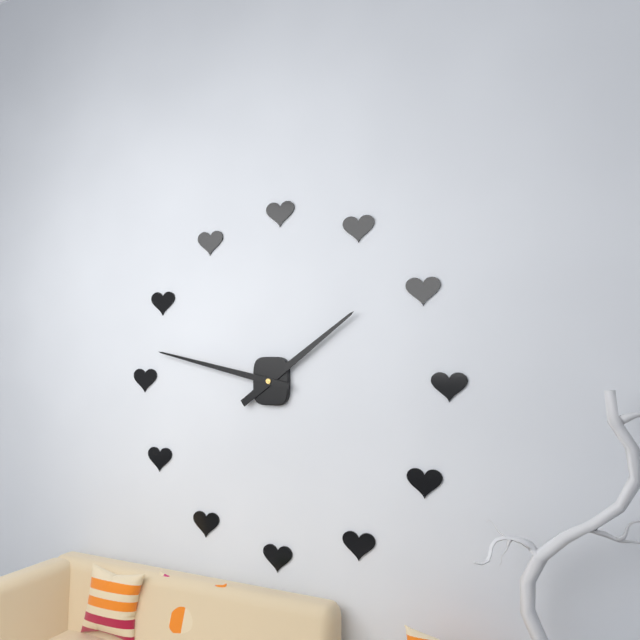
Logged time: h=1 m=47
